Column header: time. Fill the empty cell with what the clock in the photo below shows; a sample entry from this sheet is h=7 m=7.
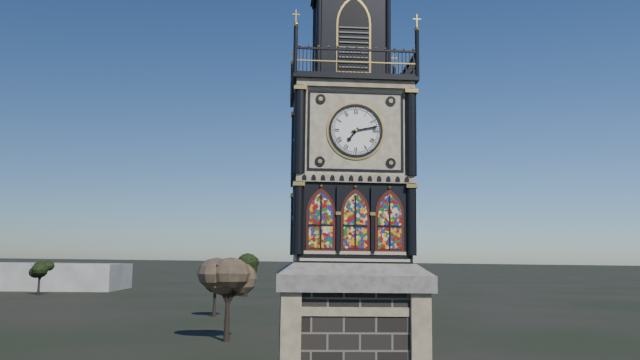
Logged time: h=7 m=13
